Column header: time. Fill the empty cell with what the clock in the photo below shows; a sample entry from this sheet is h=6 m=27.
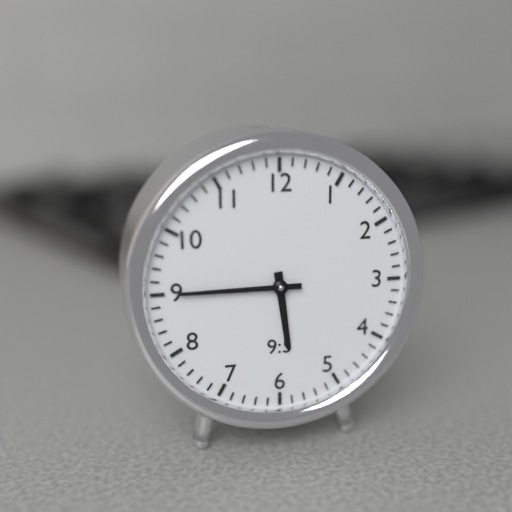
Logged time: h=5 m=45
